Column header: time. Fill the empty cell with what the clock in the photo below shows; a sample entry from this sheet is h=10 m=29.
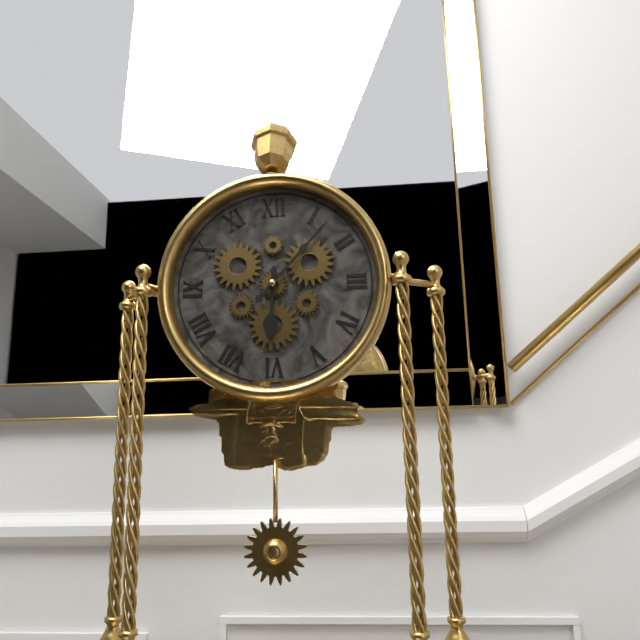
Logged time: h=6 m=7
